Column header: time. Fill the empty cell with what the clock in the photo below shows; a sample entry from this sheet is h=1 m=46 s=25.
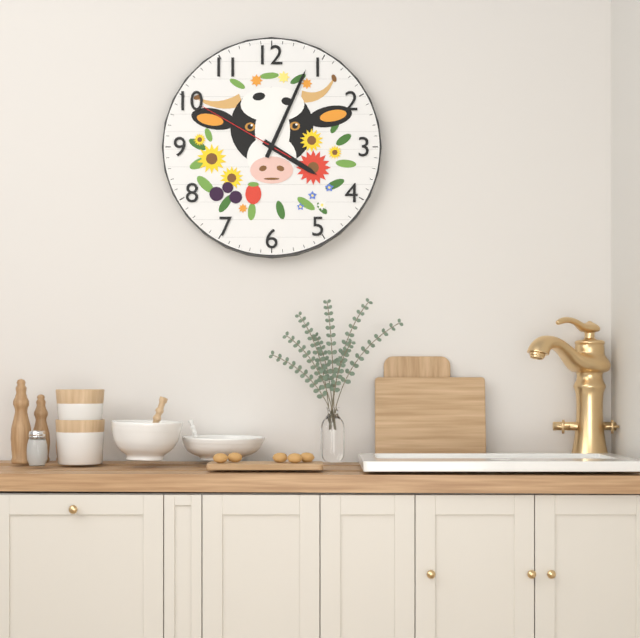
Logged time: h=4 m=4 s=50
